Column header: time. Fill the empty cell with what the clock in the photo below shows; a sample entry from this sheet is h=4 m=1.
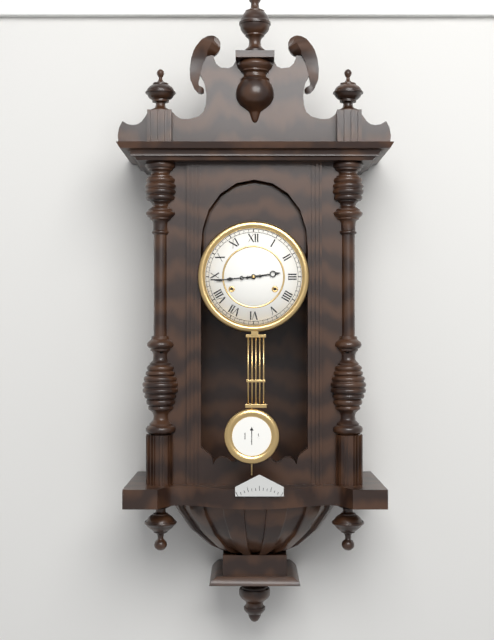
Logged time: h=2 m=44
